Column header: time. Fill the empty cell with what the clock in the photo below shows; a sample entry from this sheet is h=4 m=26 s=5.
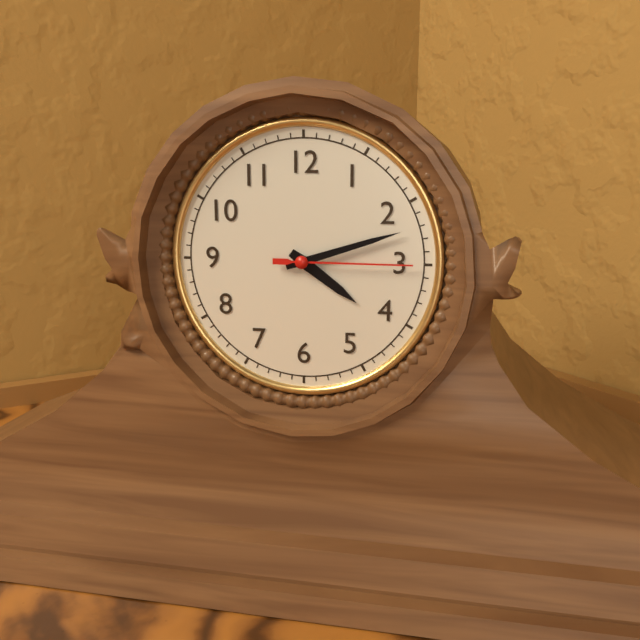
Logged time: h=4 m=12 s=15
